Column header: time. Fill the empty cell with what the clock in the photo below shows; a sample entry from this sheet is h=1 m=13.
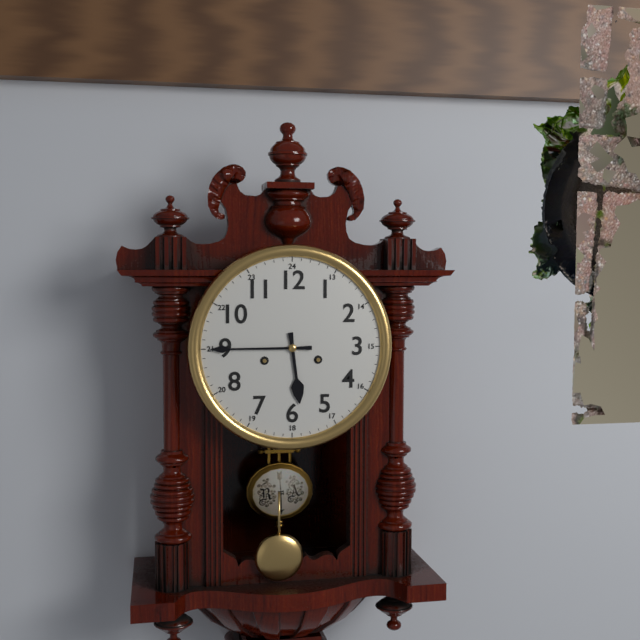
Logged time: h=5 m=45
